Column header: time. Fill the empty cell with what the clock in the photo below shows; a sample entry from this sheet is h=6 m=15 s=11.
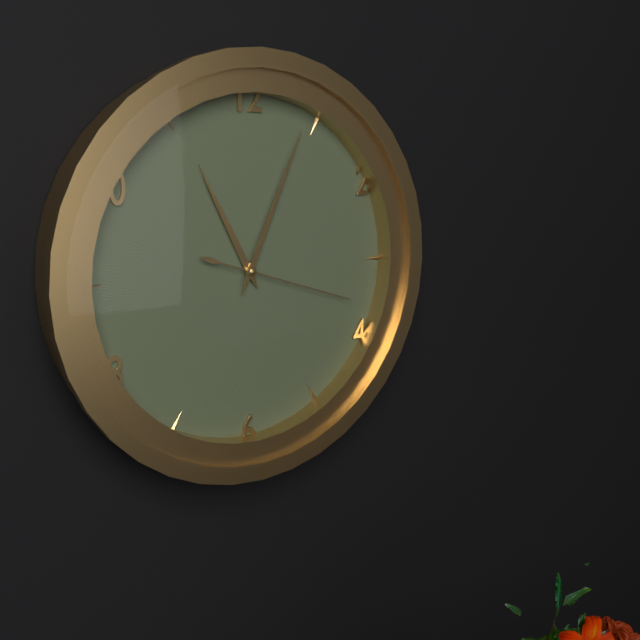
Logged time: h=11 m=4 s=18
